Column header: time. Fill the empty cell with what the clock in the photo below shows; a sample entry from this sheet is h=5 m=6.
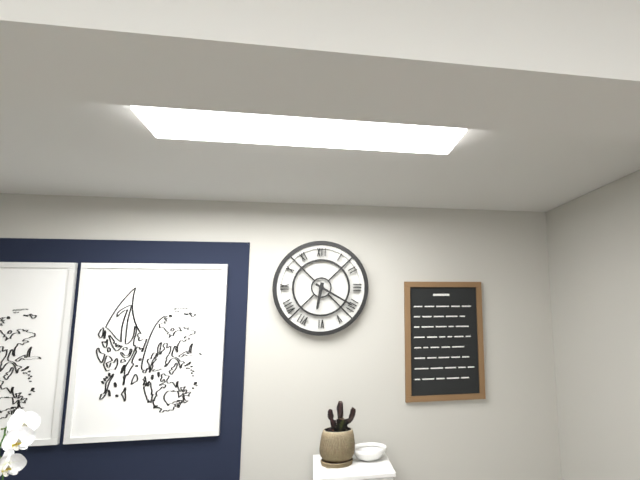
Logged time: h=6 m=20
